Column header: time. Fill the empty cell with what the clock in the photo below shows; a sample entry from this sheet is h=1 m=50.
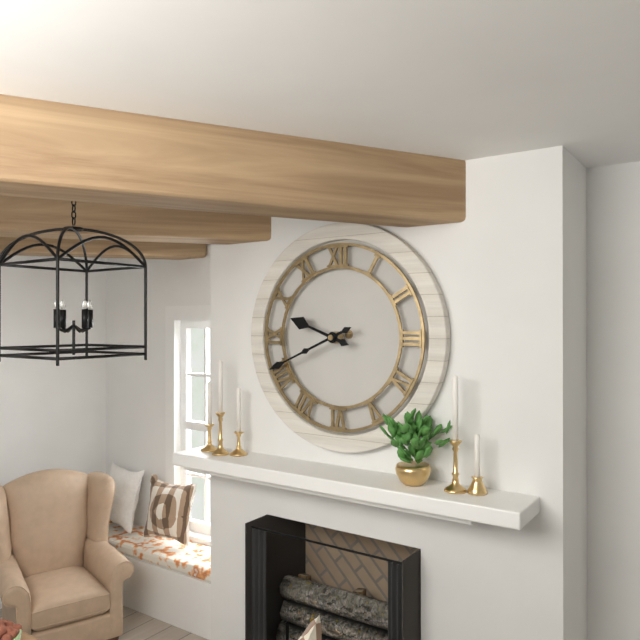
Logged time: h=9 m=41
